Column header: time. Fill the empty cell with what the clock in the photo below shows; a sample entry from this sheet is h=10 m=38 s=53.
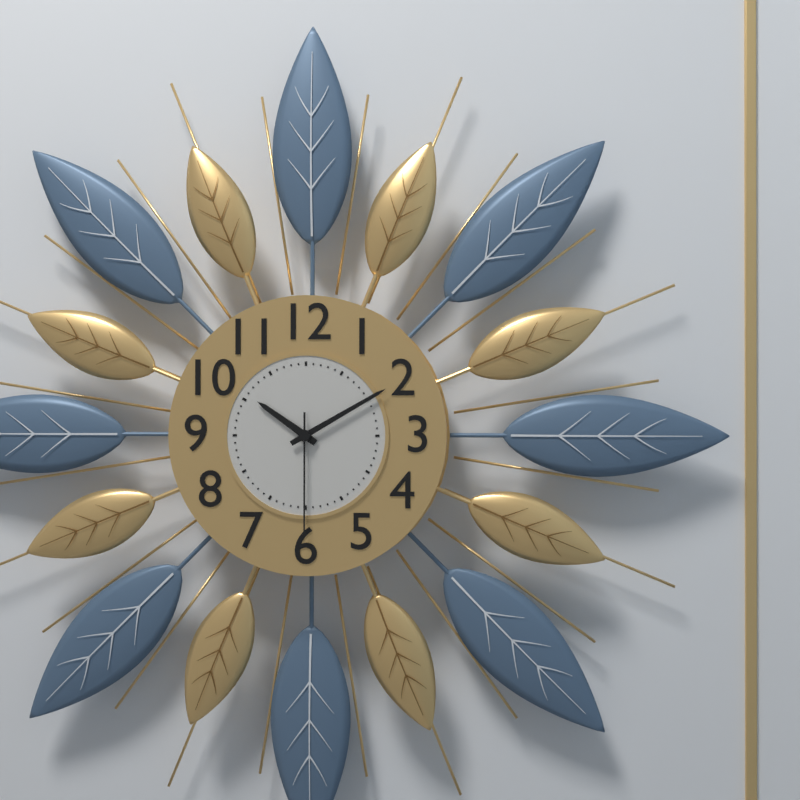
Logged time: h=10 m=10 s=30
